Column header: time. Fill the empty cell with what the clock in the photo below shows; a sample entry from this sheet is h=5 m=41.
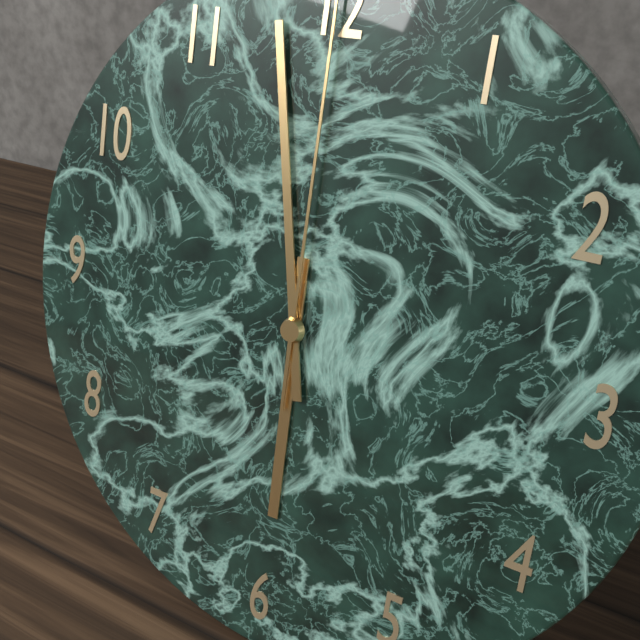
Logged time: h=5 m=58
